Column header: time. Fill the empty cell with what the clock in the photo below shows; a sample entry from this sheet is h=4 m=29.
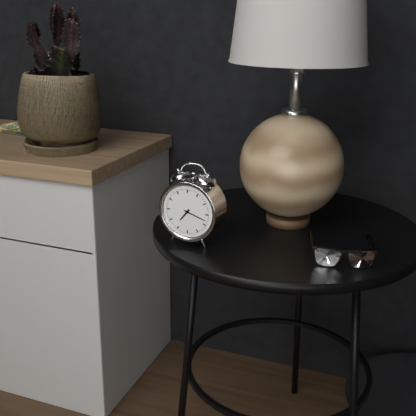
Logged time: h=7 m=18
